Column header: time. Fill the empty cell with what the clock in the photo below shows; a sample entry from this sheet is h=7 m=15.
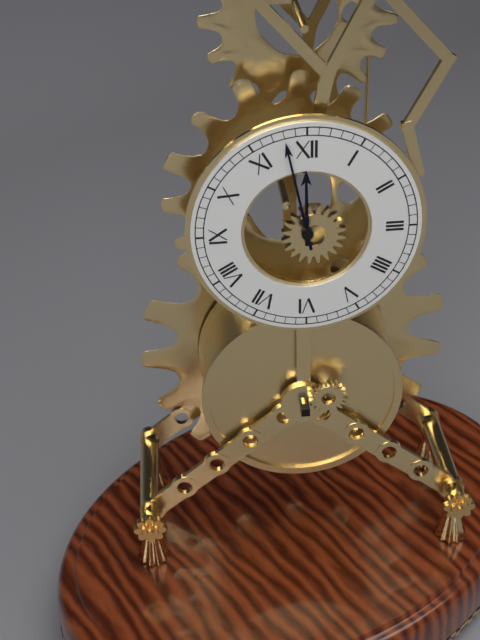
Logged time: h=11 m=58
